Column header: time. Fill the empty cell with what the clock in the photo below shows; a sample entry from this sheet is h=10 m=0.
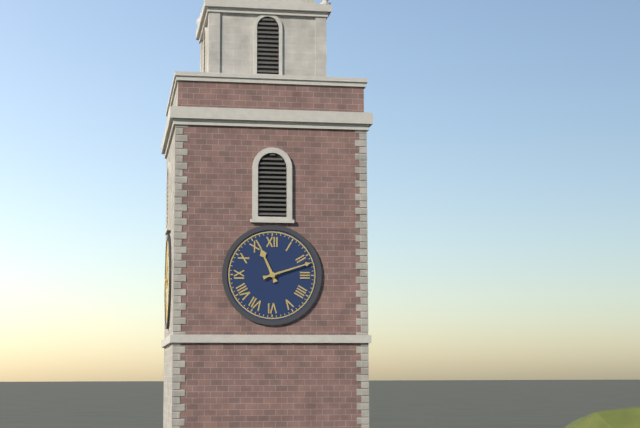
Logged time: h=11 m=12
